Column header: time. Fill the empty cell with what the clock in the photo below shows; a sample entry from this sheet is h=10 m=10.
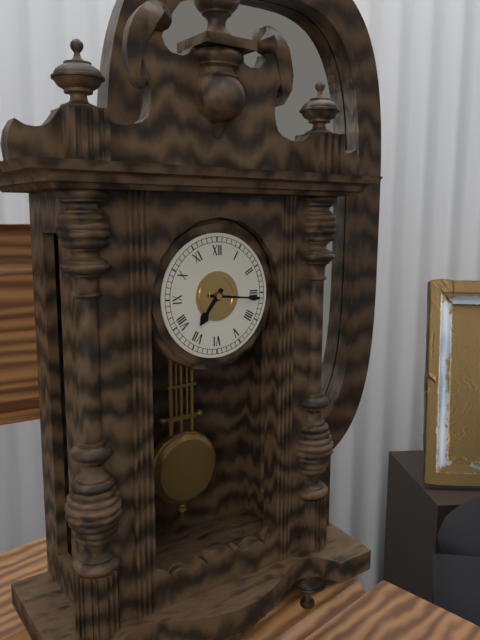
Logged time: h=7 m=16
